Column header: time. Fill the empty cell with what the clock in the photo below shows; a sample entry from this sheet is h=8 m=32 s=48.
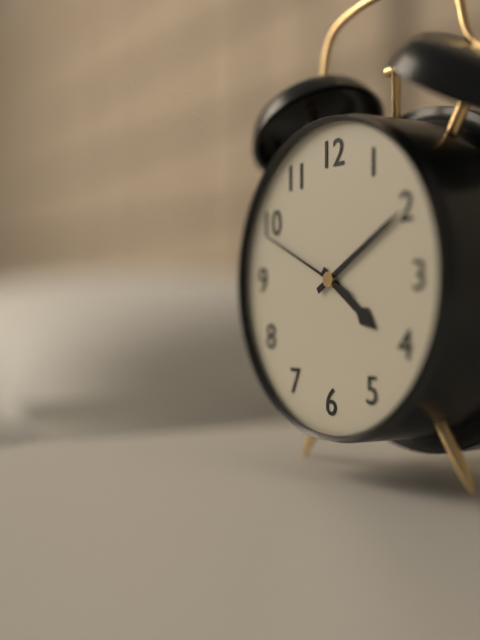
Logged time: h=4 m=10 s=49
